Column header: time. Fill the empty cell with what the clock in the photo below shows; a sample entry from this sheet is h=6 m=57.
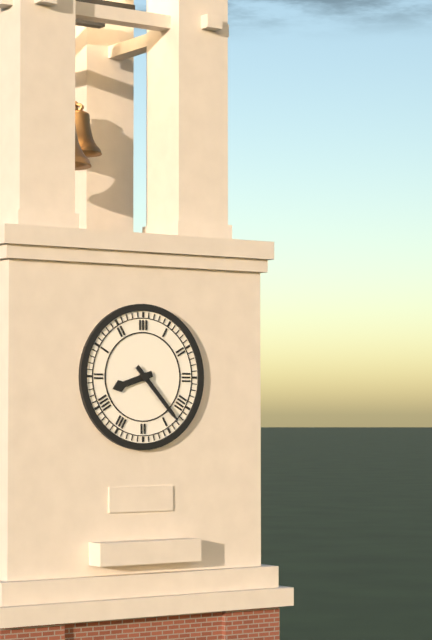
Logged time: h=8 m=23
